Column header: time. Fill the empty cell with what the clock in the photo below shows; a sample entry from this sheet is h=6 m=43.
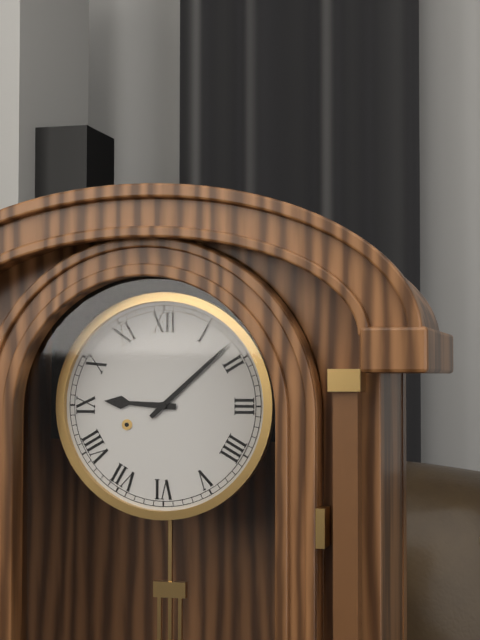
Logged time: h=9 m=8
